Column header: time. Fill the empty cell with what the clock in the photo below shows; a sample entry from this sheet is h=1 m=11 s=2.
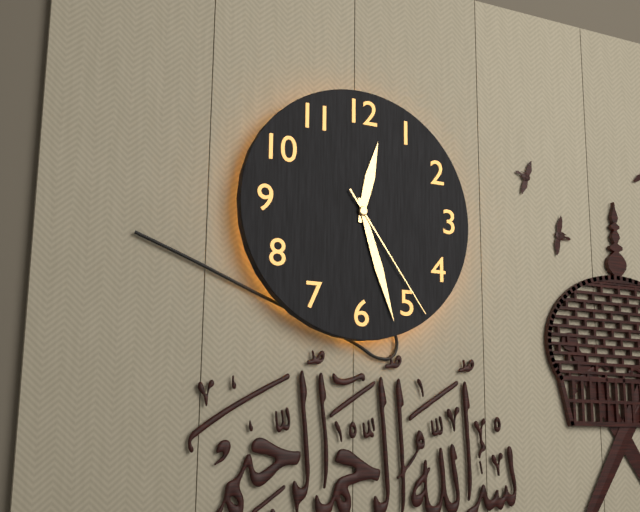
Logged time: h=12 m=27 s=24
